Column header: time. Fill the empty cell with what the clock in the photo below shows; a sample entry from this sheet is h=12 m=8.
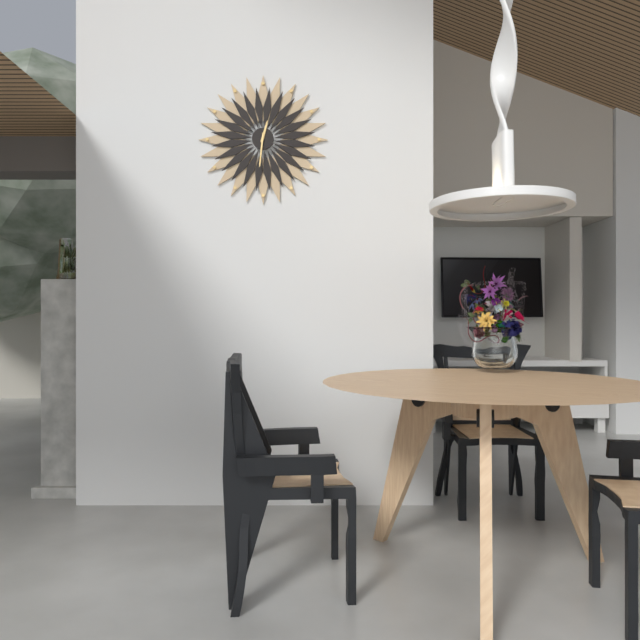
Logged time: h=12 m=31
